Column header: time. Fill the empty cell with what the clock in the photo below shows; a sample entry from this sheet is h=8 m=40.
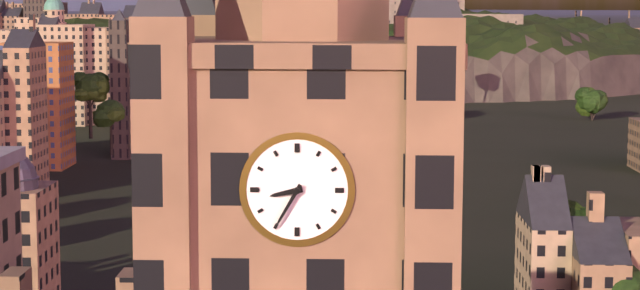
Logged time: h=8 m=35
